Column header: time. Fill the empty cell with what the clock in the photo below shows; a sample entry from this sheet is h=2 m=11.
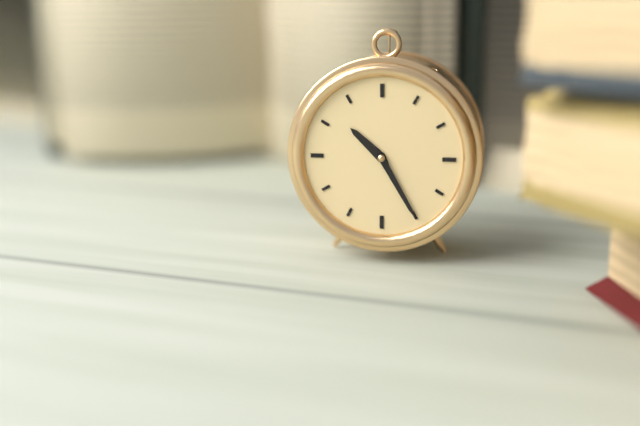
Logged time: h=10 m=25
